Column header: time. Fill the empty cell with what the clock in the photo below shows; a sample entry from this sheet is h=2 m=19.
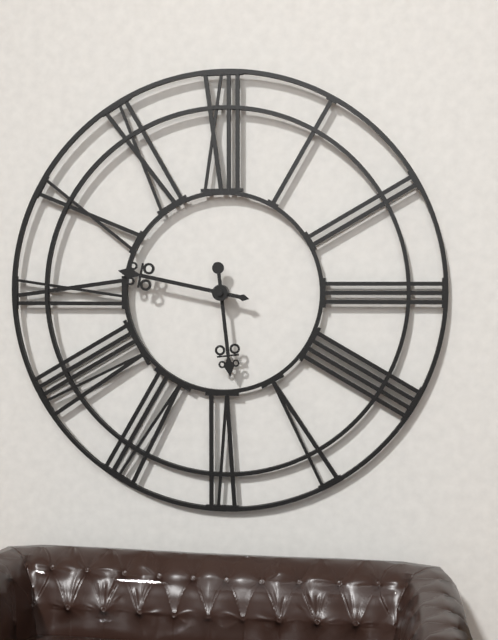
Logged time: h=5 m=47
